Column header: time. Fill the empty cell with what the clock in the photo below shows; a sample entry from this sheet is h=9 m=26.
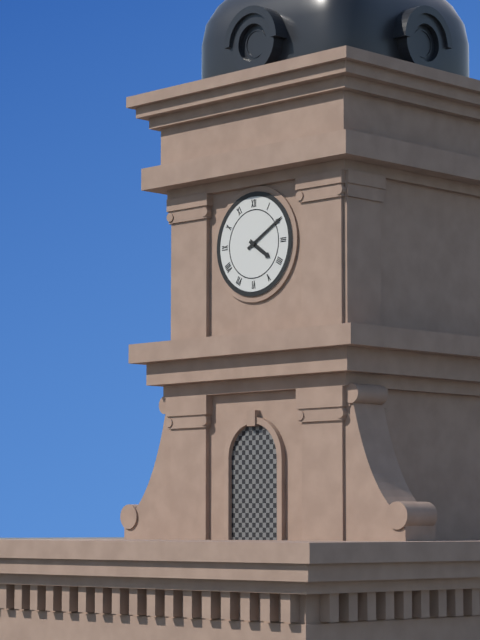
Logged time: h=4 m=10
